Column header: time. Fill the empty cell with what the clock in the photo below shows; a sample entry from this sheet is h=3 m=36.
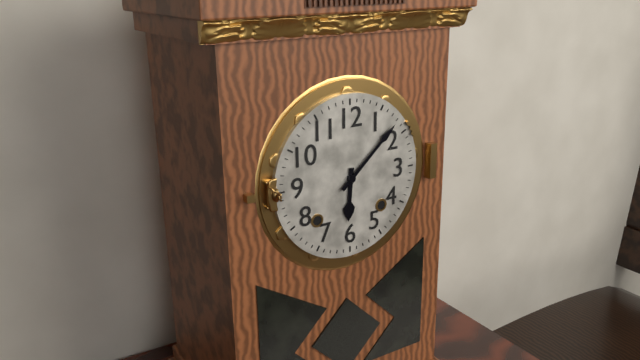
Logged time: h=6 m=8
